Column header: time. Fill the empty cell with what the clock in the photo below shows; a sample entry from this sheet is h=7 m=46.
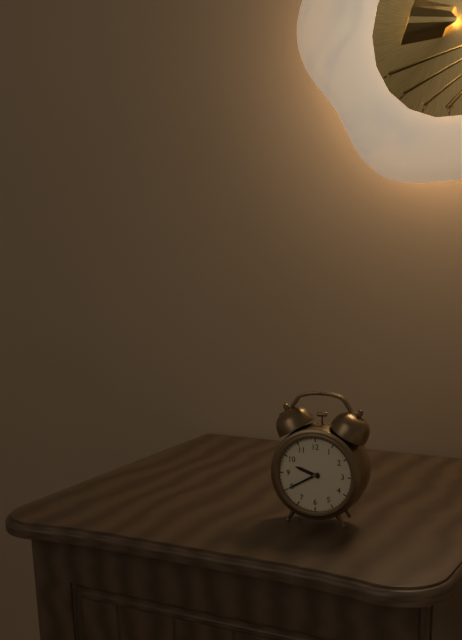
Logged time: h=9 m=40
